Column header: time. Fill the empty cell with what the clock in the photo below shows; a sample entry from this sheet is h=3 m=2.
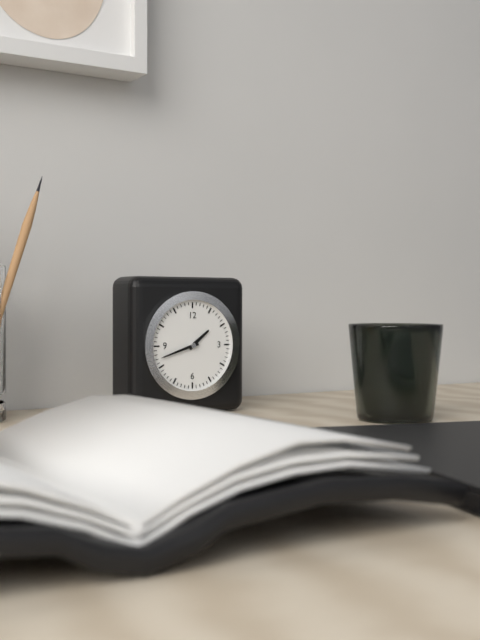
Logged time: h=1 m=42
